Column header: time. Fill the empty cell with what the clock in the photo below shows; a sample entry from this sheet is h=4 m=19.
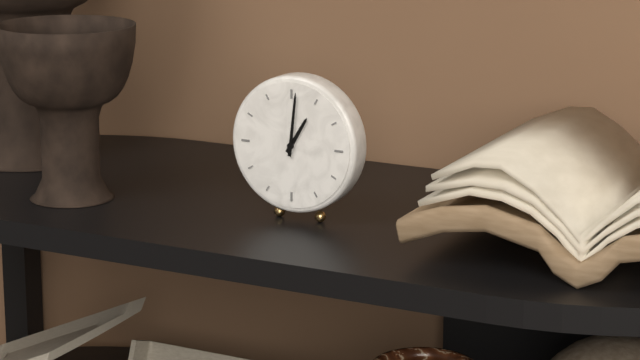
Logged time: h=1 m=1
